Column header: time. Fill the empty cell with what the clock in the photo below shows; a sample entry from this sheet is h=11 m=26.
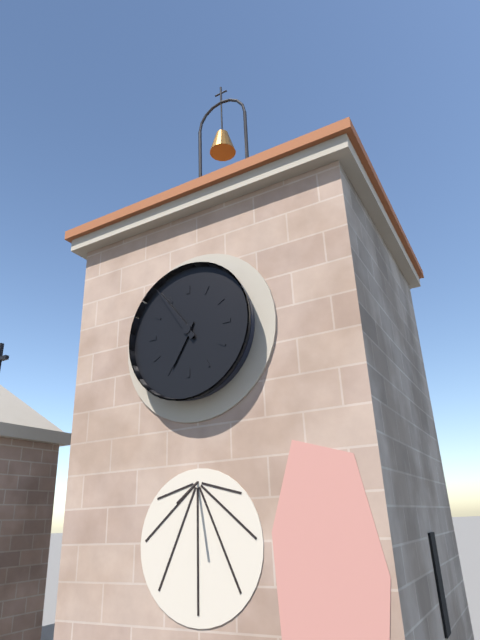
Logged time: h=6 m=54
